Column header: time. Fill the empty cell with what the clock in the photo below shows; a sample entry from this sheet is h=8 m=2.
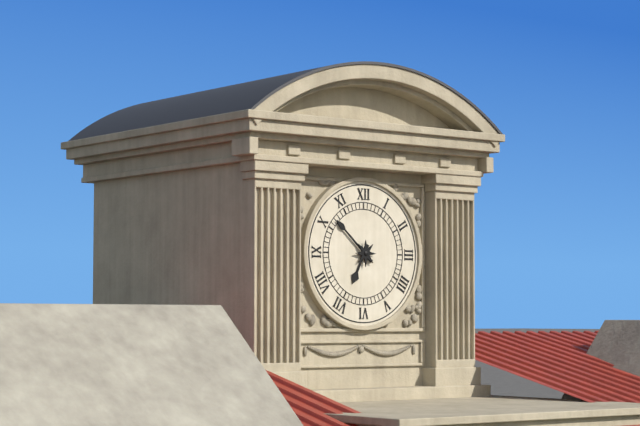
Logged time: h=6 m=52
